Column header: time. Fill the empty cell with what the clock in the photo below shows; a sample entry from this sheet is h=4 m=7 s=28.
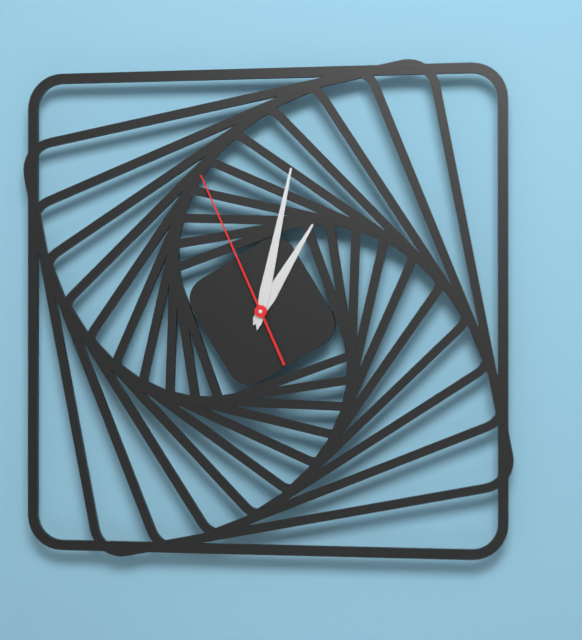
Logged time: h=1 m=2 s=56
